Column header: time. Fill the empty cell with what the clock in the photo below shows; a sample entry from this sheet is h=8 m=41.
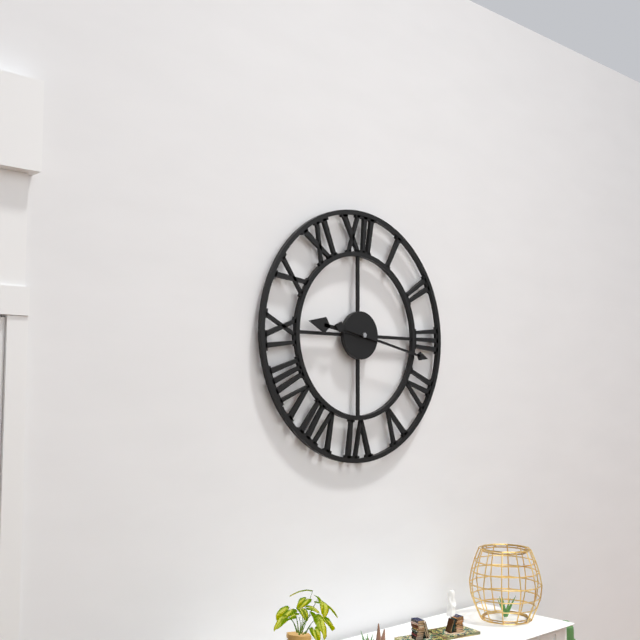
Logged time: h=9 m=17
